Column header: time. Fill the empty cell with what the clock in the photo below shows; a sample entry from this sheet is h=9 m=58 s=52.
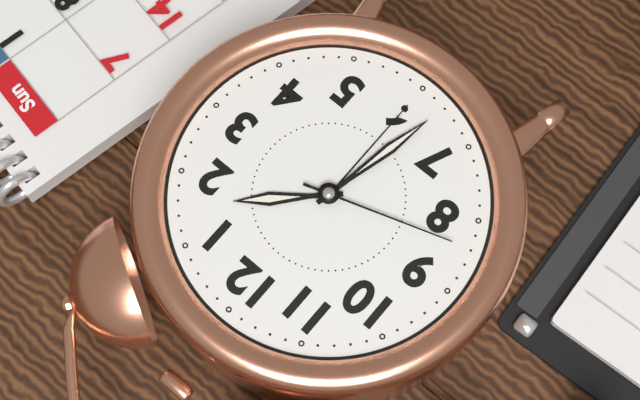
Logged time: h=1 m=32 s=42
